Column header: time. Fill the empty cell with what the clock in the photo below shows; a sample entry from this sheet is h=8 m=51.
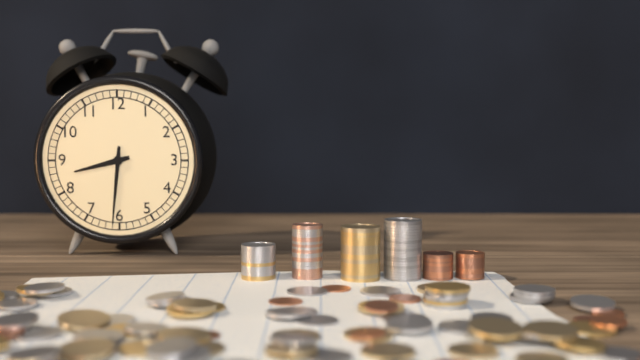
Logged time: h=8 m=31
